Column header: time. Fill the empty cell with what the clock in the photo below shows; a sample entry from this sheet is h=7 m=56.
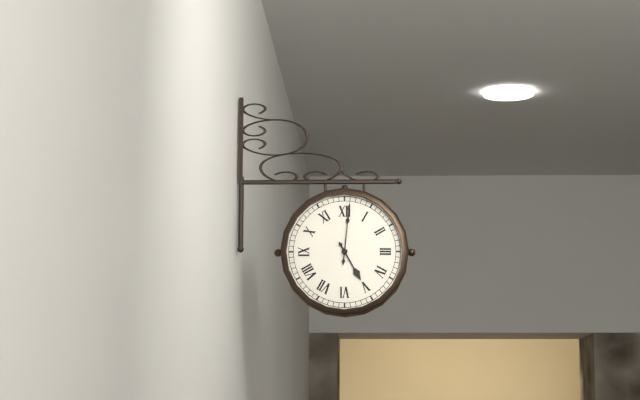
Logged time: h=5 m=1
